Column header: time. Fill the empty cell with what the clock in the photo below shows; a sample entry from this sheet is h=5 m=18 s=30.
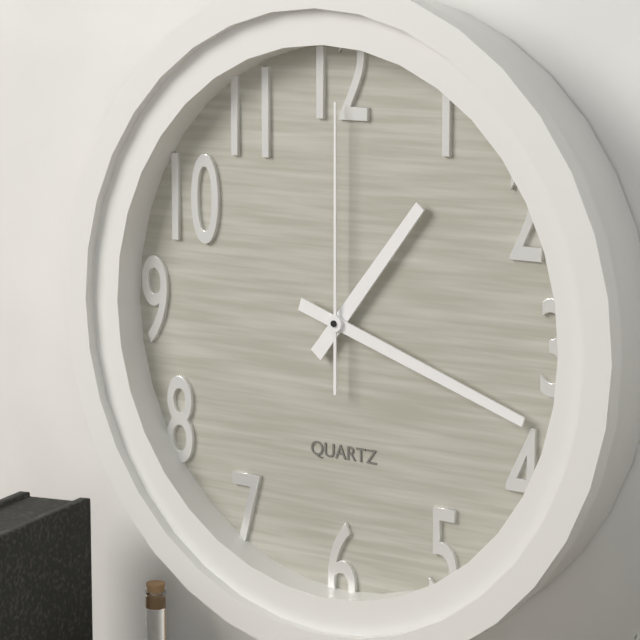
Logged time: h=1 m=18 s=0
